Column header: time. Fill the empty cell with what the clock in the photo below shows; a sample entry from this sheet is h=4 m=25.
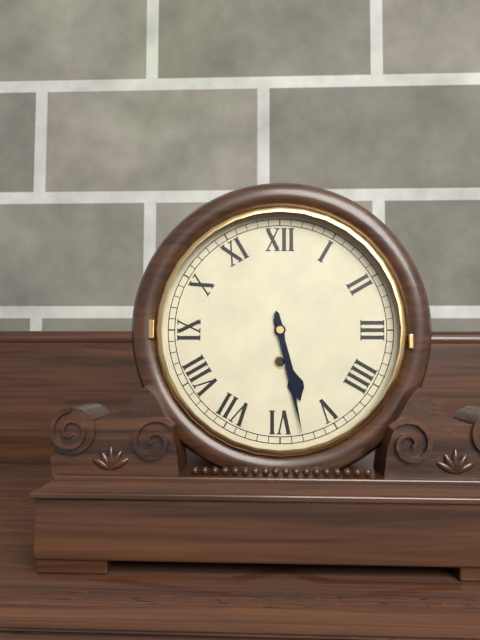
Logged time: h=5 m=28
